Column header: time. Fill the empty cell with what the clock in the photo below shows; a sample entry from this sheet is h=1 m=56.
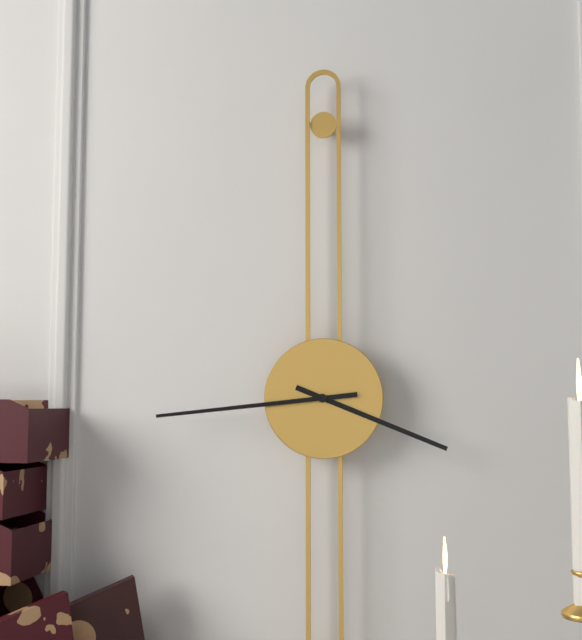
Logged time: h=3 m=44
